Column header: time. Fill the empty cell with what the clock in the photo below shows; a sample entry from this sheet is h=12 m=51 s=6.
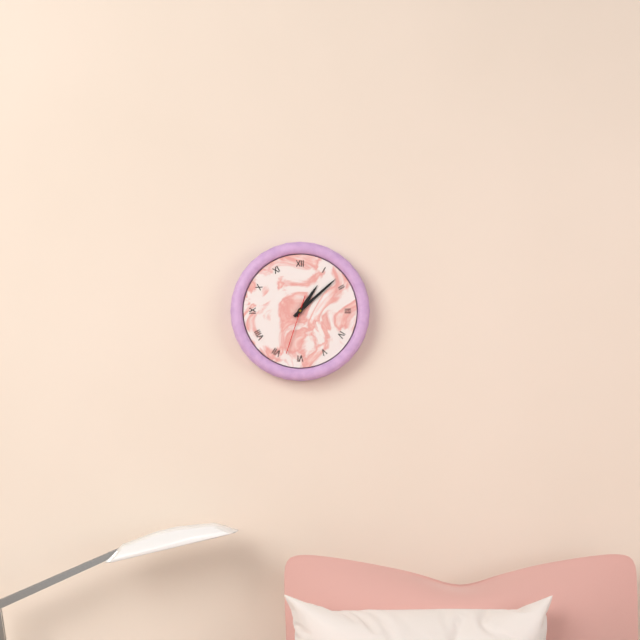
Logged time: h=1 m=8 s=33
